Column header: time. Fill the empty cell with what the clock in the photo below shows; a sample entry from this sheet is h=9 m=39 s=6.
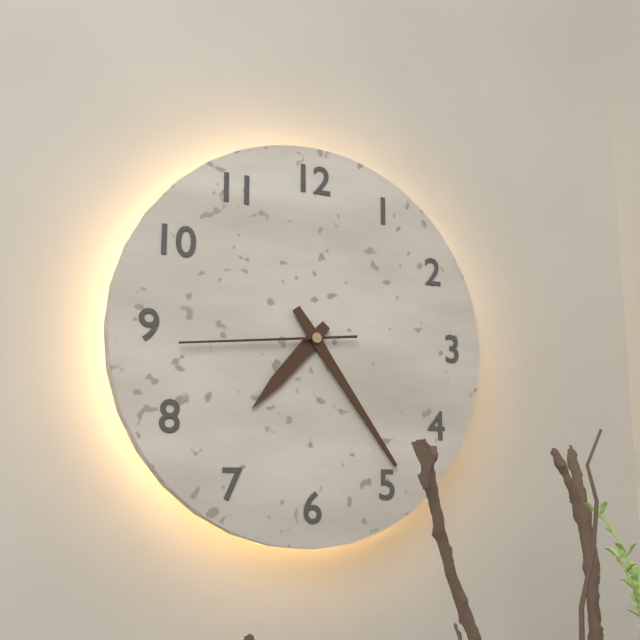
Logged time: h=7 m=24 s=44
